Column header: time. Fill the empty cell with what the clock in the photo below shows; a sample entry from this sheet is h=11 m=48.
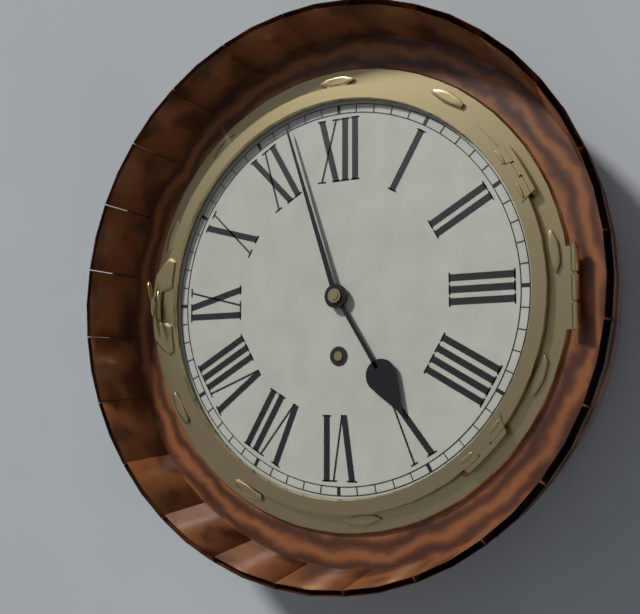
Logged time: h=4 m=57
